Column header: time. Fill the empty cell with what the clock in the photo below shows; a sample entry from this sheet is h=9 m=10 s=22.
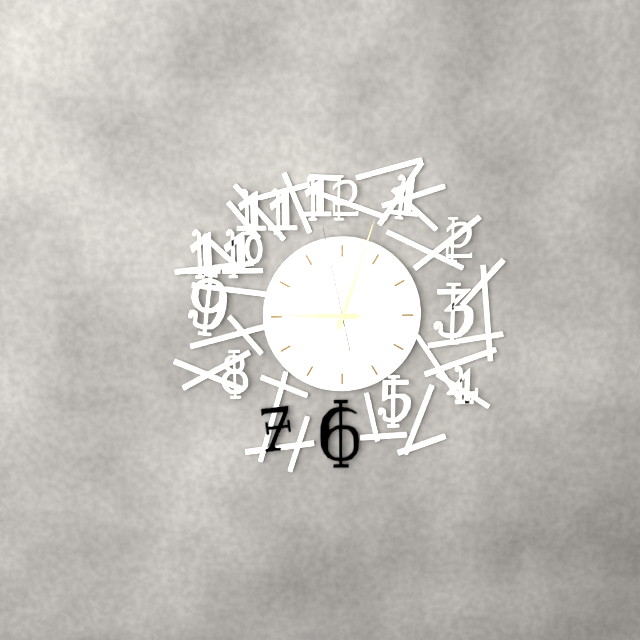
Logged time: h=9 m=3 s=58
